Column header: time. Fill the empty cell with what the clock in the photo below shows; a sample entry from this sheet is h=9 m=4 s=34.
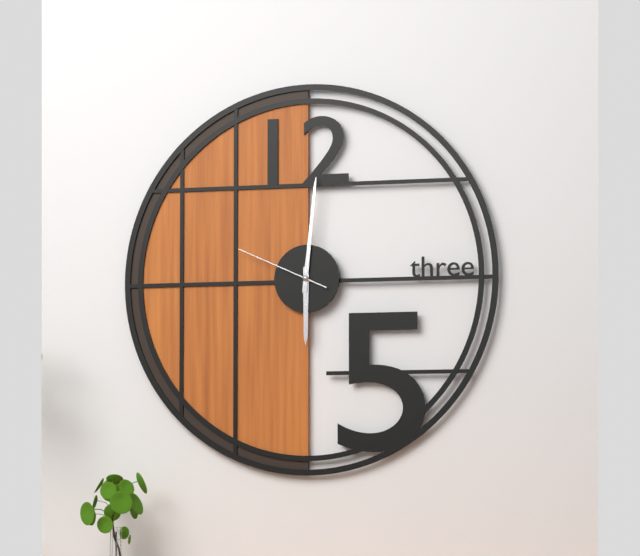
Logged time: h=6 m=1 s=49
